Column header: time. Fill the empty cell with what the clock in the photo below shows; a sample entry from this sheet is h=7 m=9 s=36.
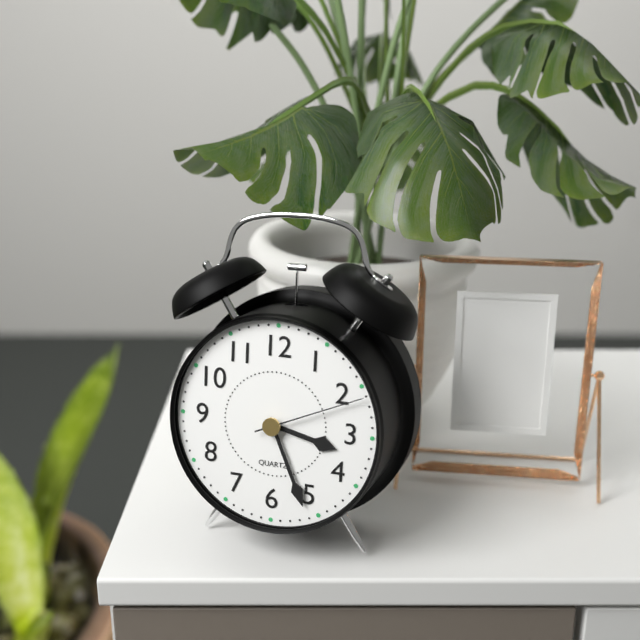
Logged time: h=3 m=26 s=11
